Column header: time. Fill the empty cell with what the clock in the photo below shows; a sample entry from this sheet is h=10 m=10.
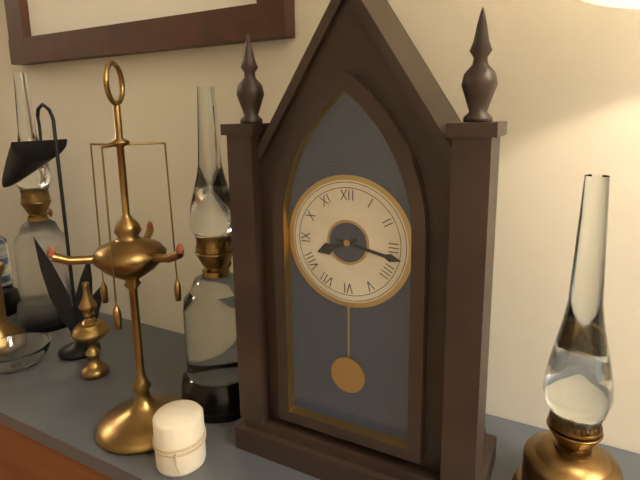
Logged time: h=8 m=17
